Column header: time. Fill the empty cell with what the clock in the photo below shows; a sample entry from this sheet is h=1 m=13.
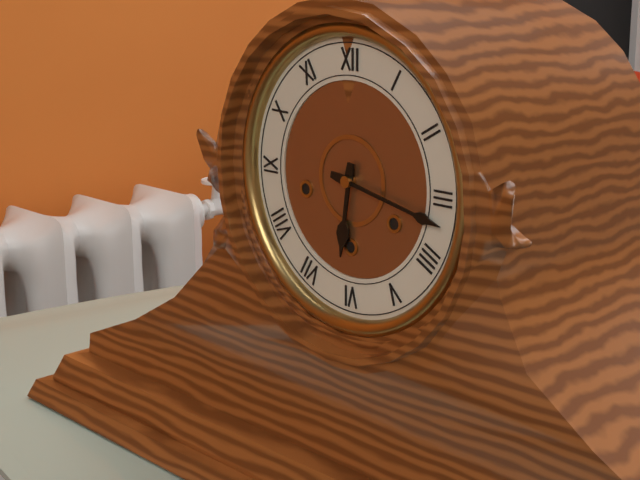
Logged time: h=6 m=17
